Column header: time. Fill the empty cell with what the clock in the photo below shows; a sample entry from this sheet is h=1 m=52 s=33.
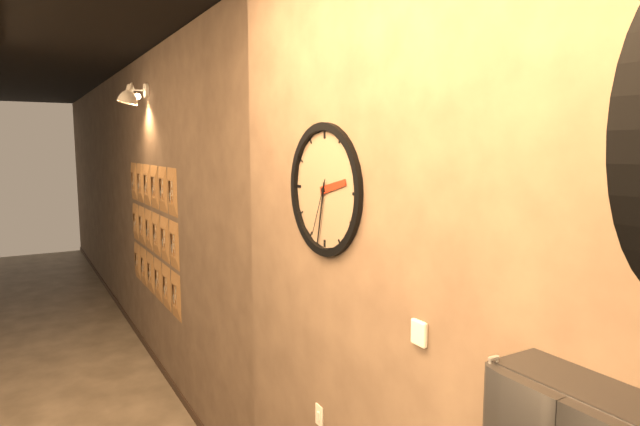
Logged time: h=2 m=32 s=34
